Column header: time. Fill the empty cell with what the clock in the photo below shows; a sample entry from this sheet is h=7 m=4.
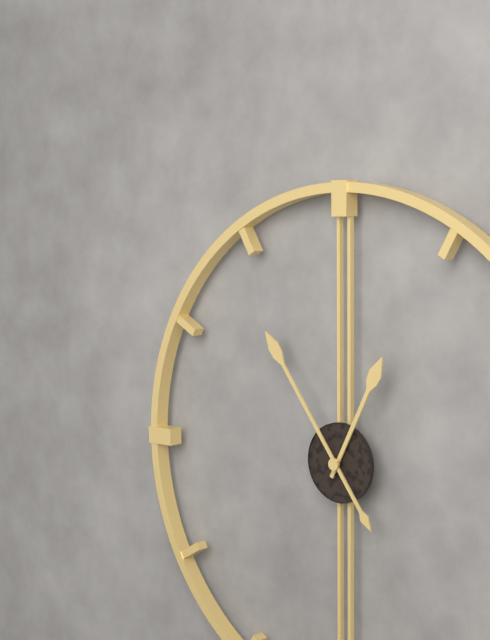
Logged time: h=12 m=54
